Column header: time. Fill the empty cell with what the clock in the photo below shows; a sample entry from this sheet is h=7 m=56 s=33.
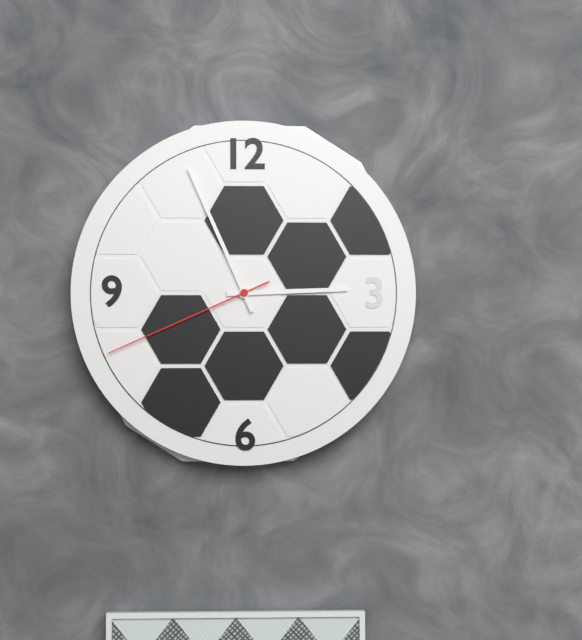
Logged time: h=2 m=56 s=41
